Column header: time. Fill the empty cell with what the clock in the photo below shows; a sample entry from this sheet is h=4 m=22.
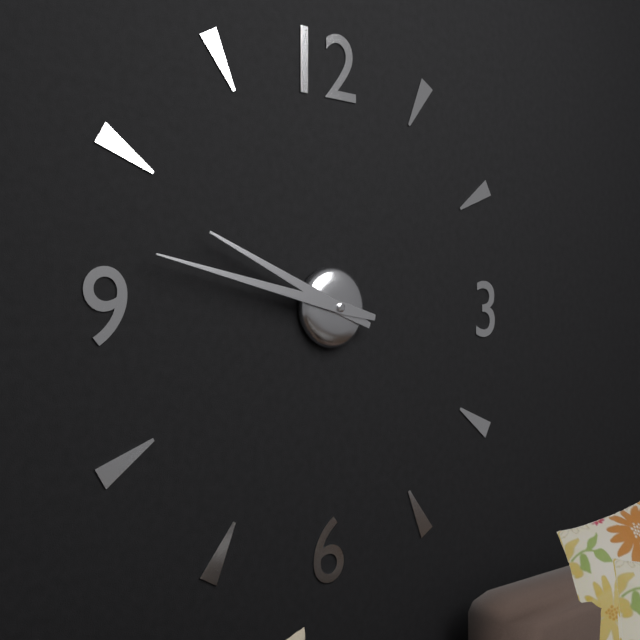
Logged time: h=9 m=47
